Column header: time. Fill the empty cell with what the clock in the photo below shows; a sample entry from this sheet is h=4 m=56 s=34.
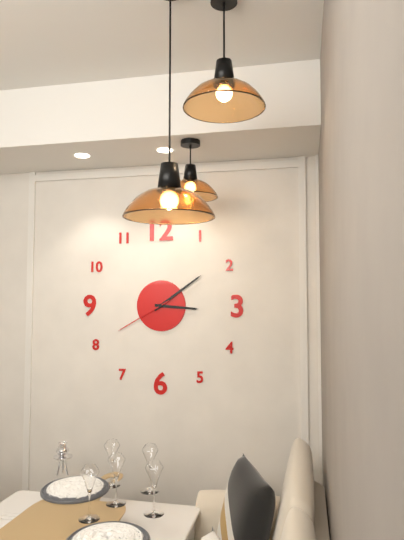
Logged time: h=3 m=9 s=40
